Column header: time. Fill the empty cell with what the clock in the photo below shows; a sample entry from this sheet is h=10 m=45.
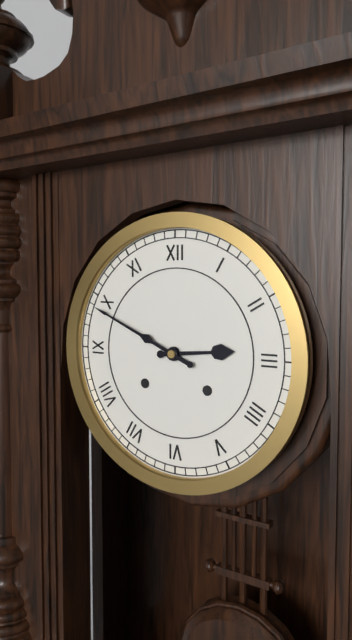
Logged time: h=2 m=49
